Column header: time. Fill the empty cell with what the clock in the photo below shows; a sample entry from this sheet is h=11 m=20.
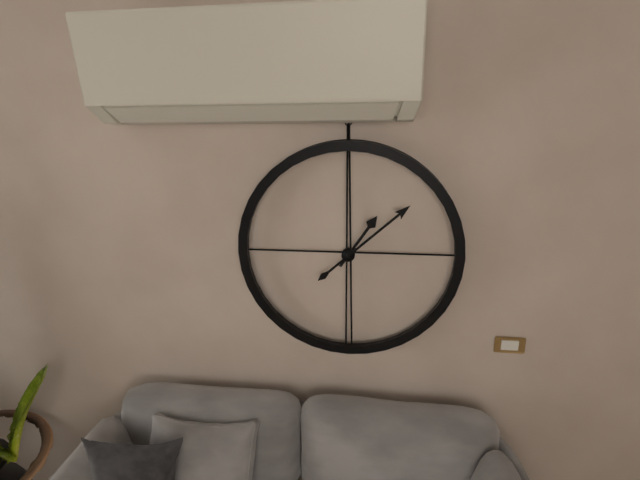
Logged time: h=1 m=8
